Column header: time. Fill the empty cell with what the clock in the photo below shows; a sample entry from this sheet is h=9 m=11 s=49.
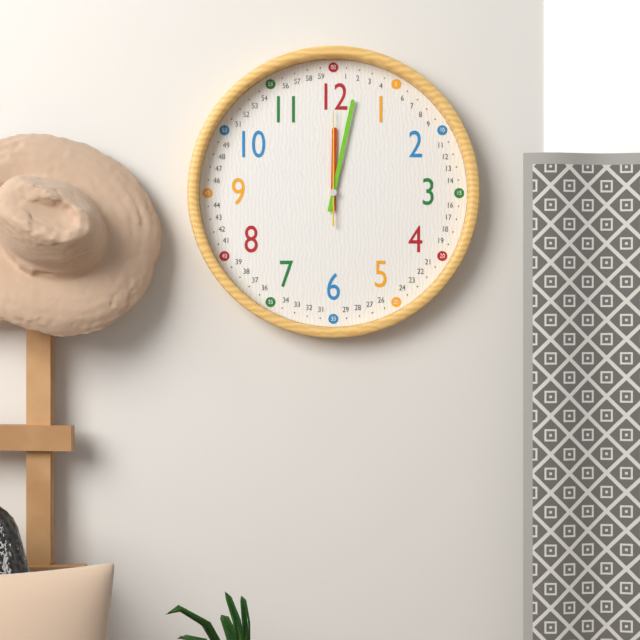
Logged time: h=12 m=2 s=0
